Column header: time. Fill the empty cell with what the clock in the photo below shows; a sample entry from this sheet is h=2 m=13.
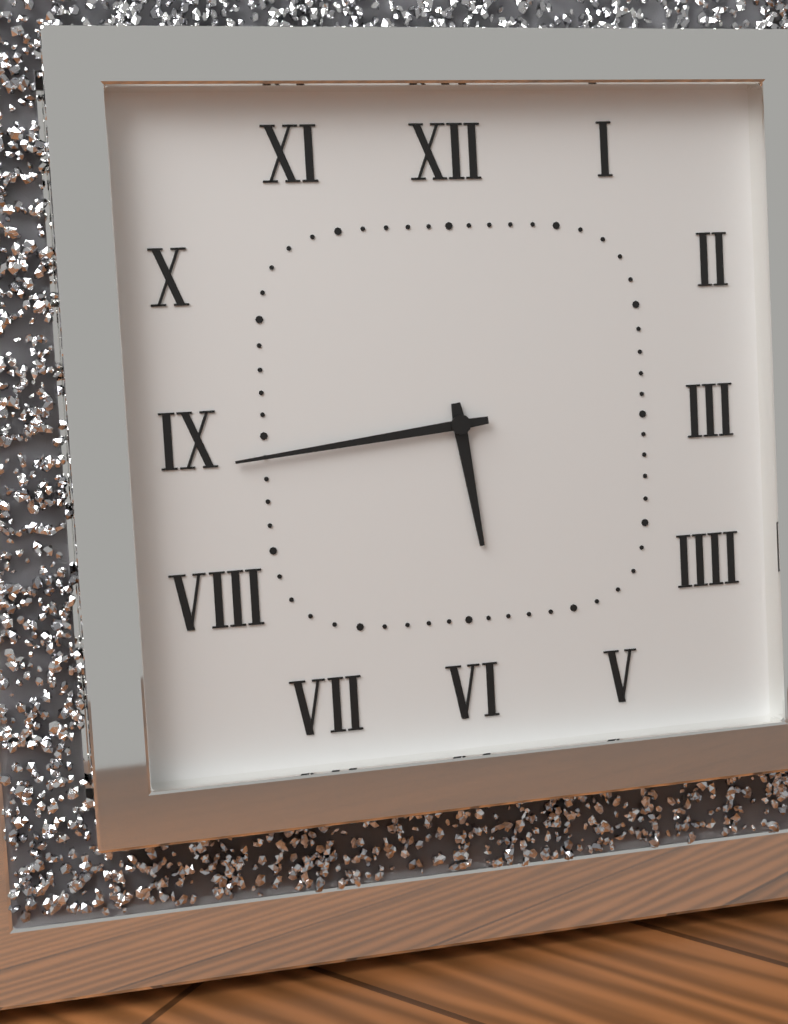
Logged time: h=5 m=44
